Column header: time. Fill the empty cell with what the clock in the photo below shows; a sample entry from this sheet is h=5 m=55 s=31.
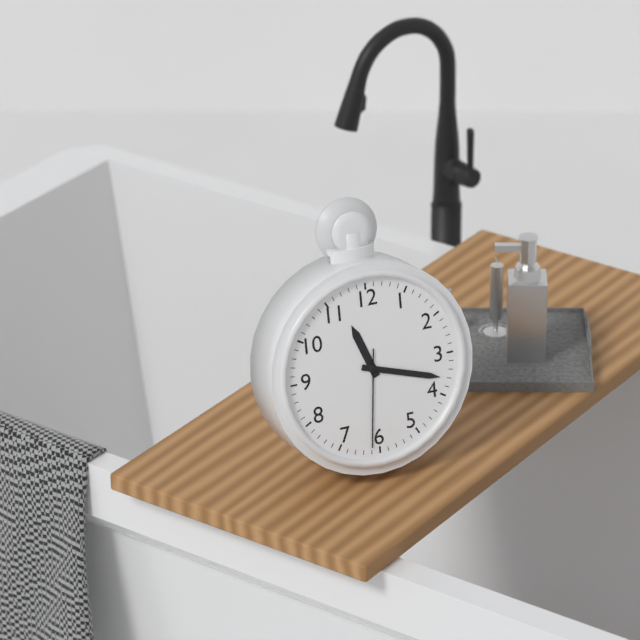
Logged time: h=11 m=18 s=31
